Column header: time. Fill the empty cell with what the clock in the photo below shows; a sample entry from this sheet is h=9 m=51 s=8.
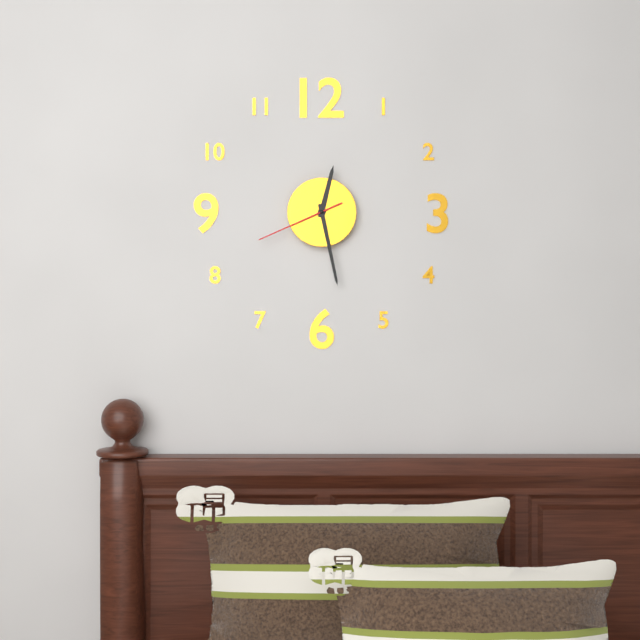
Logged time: h=12 m=28 s=41
